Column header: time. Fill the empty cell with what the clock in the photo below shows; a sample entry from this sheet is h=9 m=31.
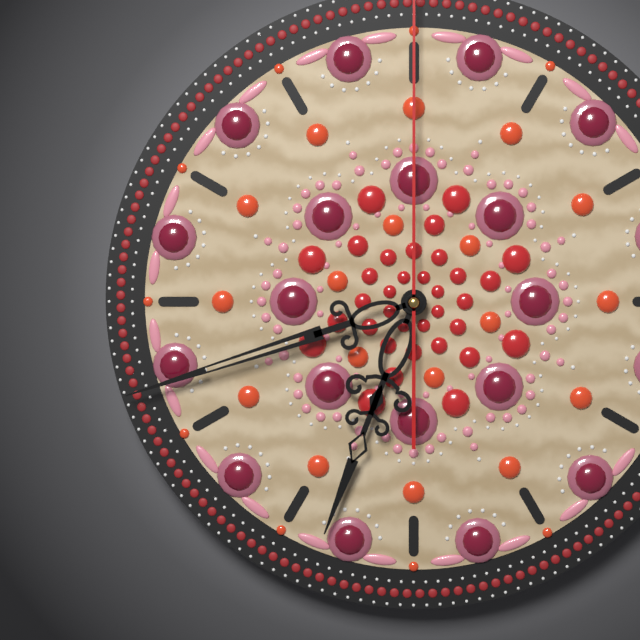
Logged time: h=6 m=42
